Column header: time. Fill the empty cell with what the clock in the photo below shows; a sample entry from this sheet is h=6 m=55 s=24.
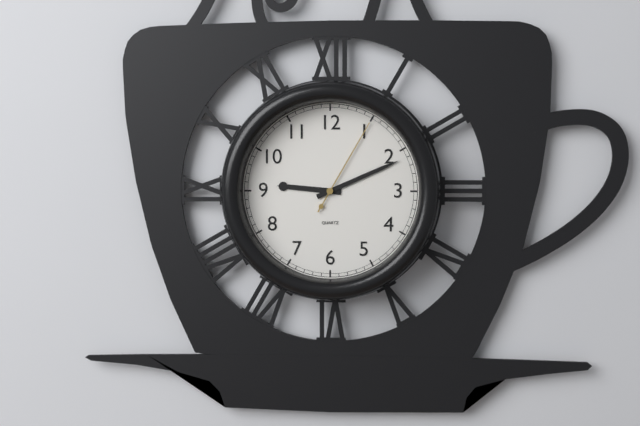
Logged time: h=9 m=11 s=5
